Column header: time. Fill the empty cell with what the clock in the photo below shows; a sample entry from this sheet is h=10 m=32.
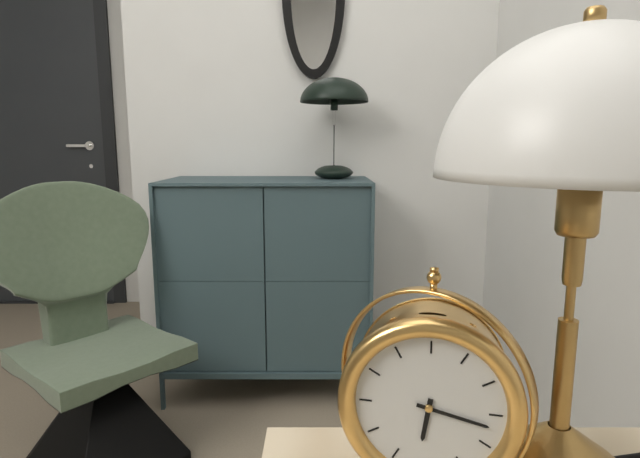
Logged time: h=6 m=17
